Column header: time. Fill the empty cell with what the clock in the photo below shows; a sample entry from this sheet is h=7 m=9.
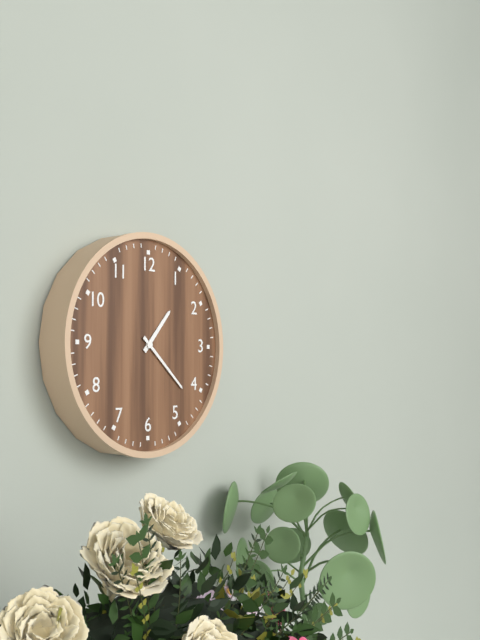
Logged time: h=1 m=22
